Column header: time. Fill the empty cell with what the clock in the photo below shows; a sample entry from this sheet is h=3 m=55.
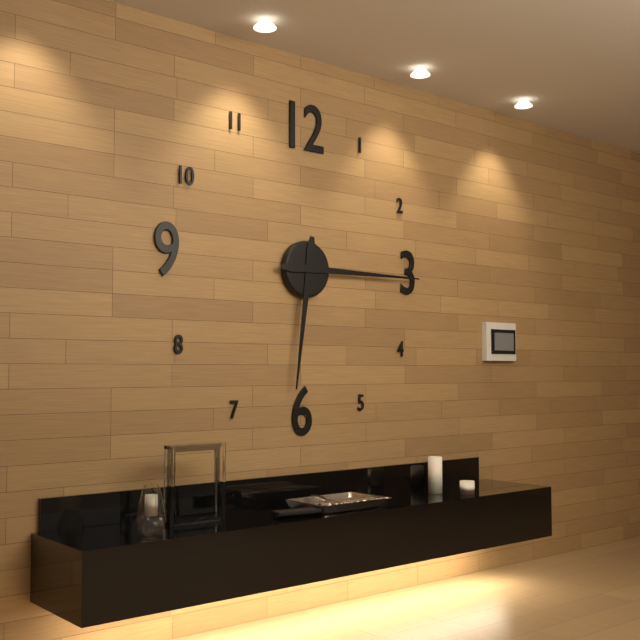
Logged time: h=6 m=15
